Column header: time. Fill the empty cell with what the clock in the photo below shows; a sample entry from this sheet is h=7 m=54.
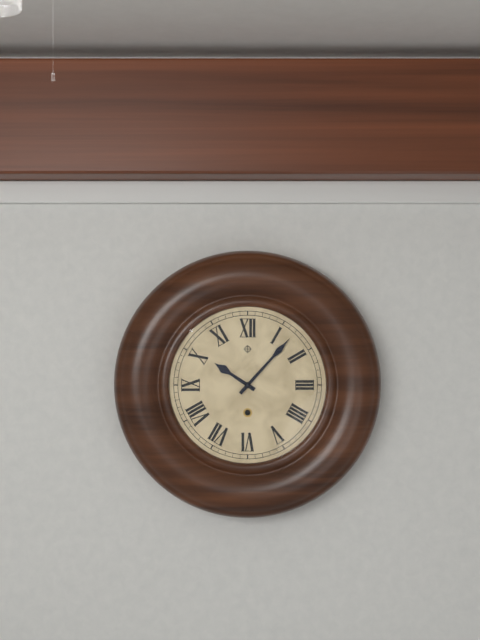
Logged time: h=10 m=7
